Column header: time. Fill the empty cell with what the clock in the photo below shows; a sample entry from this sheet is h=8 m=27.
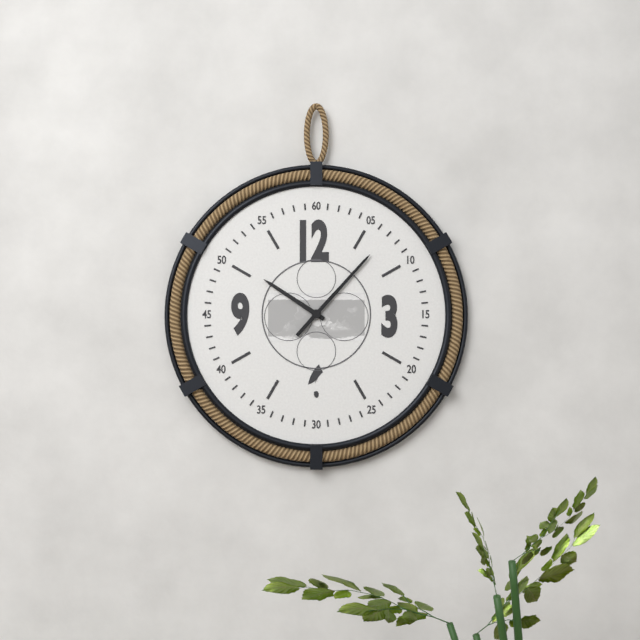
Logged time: h=10 m=7
